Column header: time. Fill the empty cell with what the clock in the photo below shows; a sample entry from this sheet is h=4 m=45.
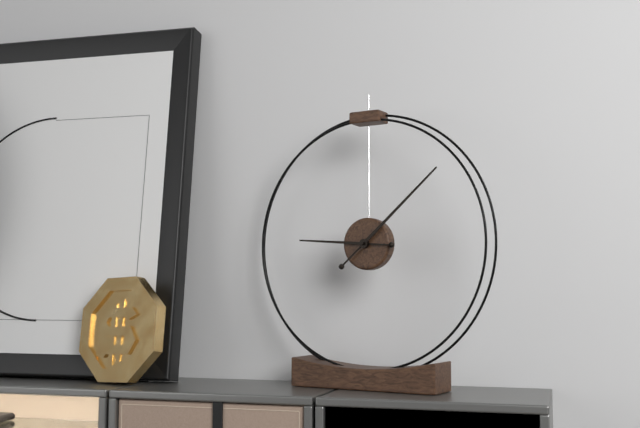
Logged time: h=9 m=8
